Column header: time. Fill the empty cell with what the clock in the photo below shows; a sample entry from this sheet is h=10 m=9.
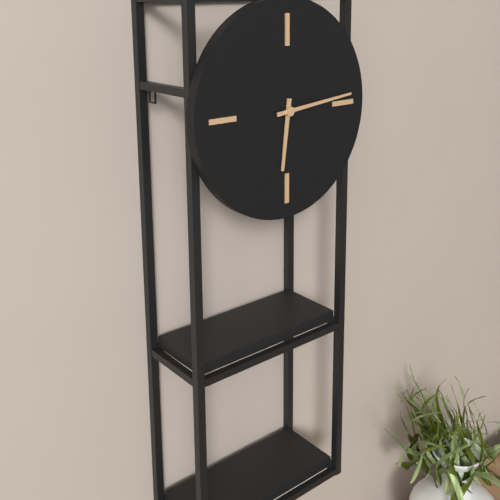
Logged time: h=6 m=14
